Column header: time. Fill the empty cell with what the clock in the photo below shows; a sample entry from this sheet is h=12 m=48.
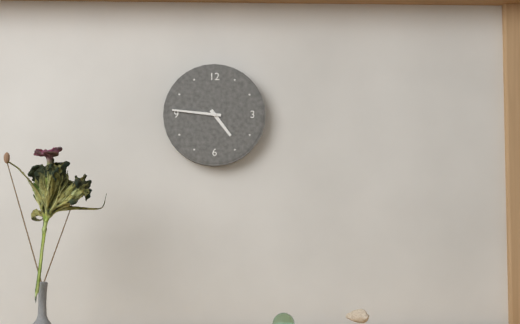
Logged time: h=4 m=46
